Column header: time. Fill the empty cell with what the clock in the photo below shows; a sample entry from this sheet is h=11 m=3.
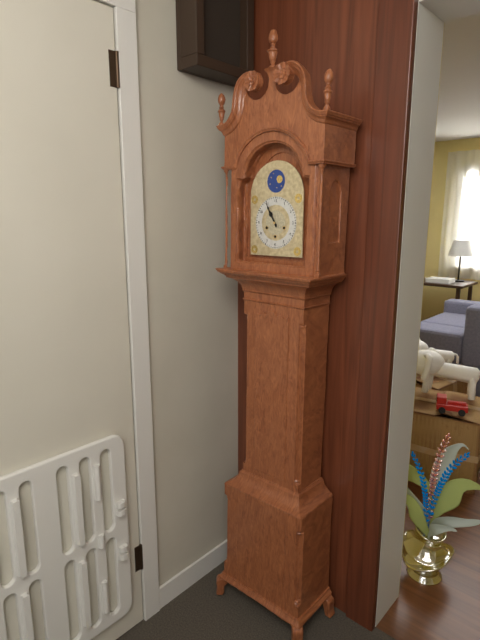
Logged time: h=10 m=55
